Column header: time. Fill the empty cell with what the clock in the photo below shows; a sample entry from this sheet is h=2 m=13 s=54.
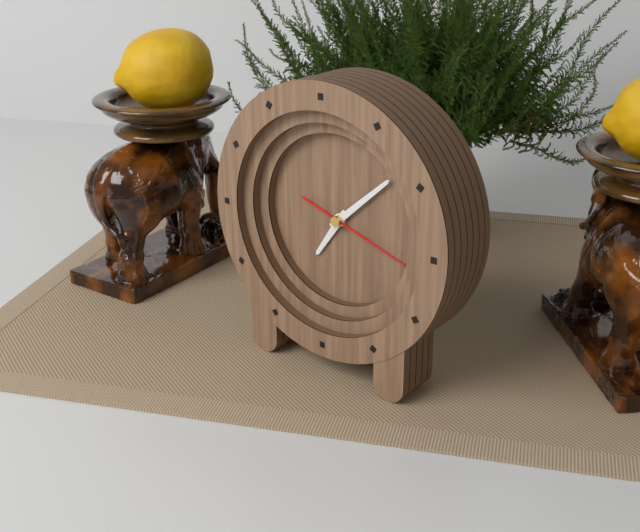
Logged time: h=7 m=8 s=18
